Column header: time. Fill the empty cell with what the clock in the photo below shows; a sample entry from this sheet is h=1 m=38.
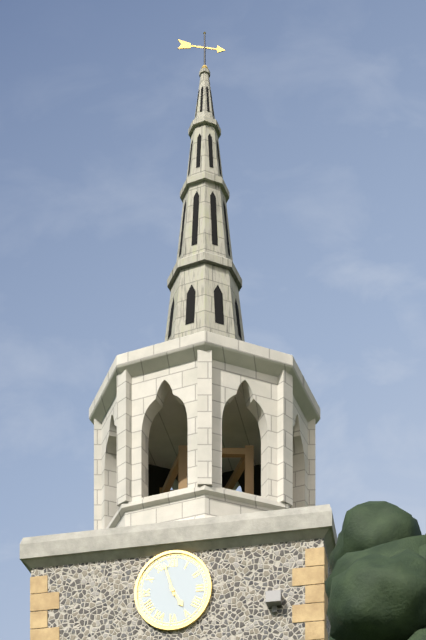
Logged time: h=4 m=57
